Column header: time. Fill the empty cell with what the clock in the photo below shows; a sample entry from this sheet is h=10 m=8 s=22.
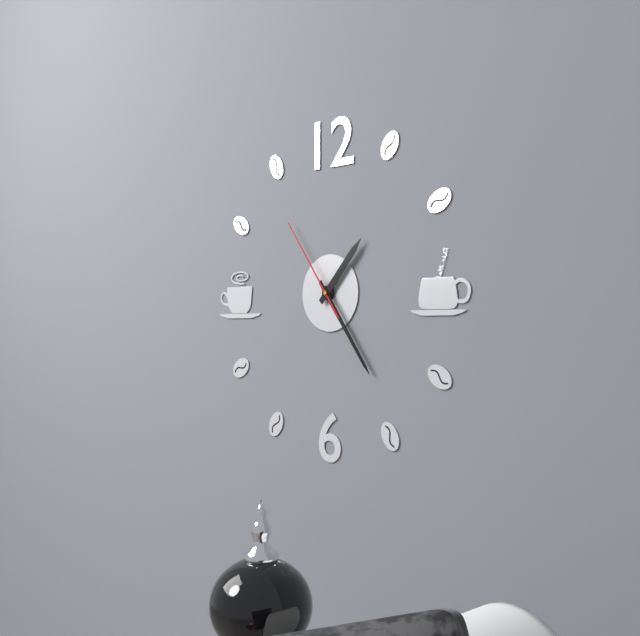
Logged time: h=1 m=24 s=54
